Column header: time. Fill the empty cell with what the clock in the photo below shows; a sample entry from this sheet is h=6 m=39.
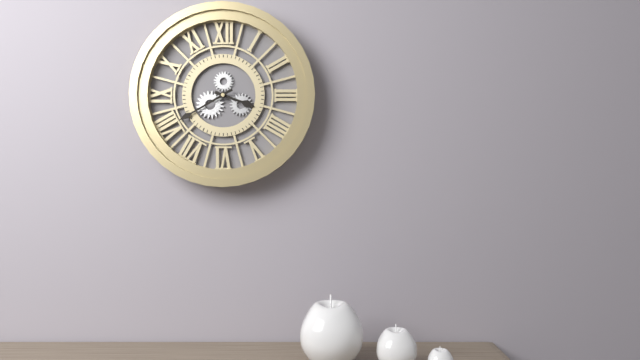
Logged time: h=3 m=40
